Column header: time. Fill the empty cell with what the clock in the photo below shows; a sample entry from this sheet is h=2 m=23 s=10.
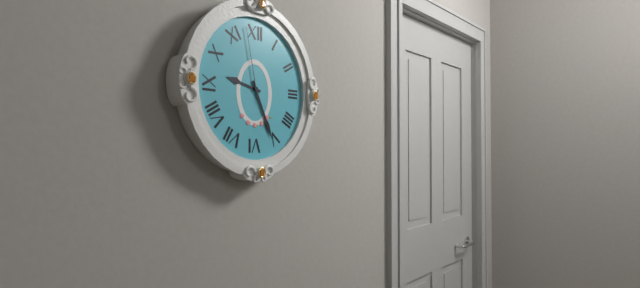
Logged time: h=9 m=26 s=58
